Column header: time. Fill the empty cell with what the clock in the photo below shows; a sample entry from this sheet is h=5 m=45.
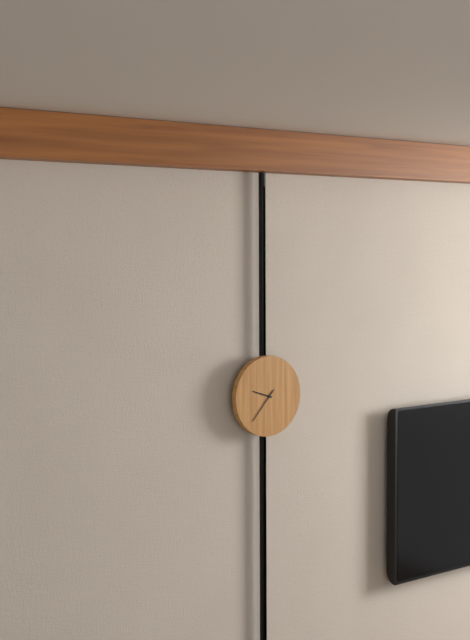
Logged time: h=9 m=37
